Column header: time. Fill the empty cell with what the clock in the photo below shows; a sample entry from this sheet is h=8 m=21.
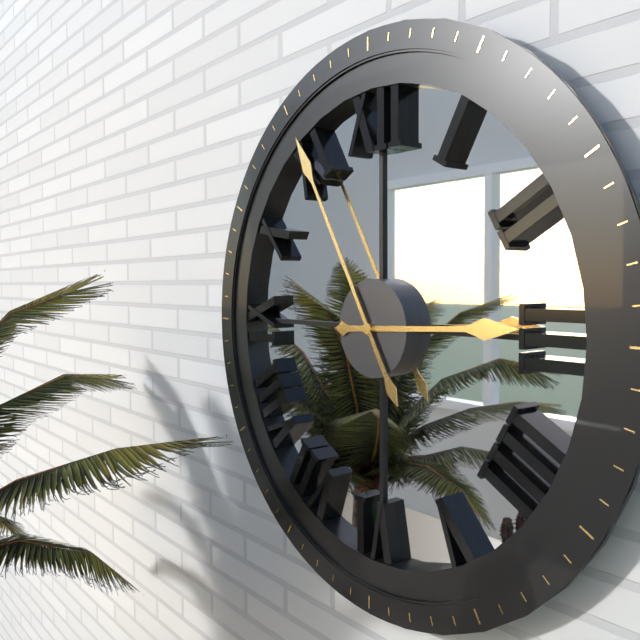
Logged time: h=2 m=55
